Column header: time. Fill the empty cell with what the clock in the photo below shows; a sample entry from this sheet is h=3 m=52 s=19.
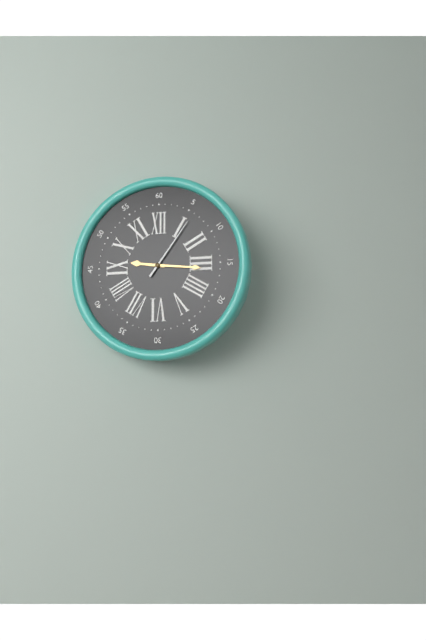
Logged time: h=9 m=16 s=6
